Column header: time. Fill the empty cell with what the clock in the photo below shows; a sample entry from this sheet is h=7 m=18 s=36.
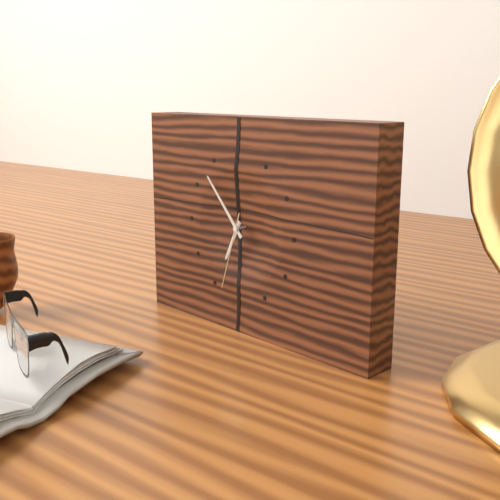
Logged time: h=6 m=53 s=33
